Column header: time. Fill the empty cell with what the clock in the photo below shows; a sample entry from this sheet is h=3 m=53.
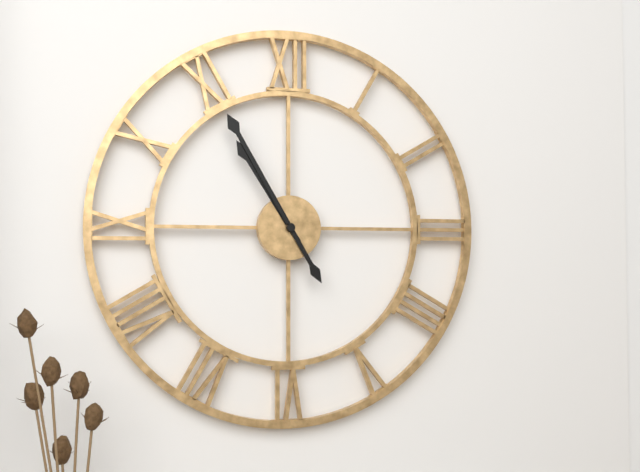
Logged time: h=10 m=55
